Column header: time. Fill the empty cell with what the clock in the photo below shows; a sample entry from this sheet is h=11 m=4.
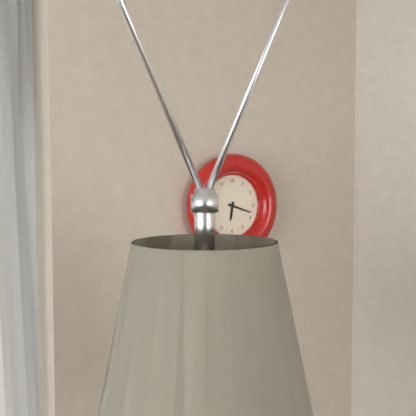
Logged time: h=6 m=18
